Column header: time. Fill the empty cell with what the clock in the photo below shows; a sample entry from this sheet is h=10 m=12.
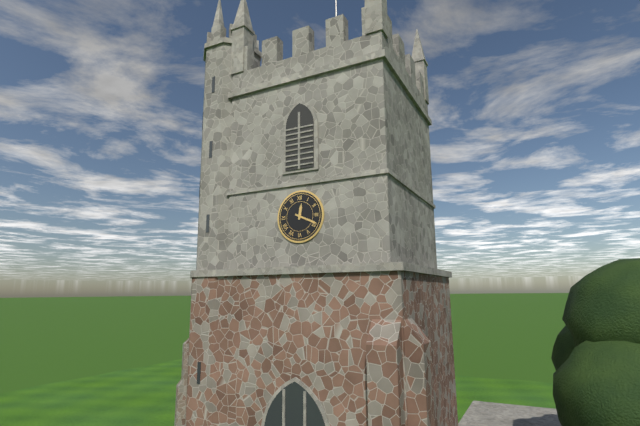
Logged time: h=12 m=19
